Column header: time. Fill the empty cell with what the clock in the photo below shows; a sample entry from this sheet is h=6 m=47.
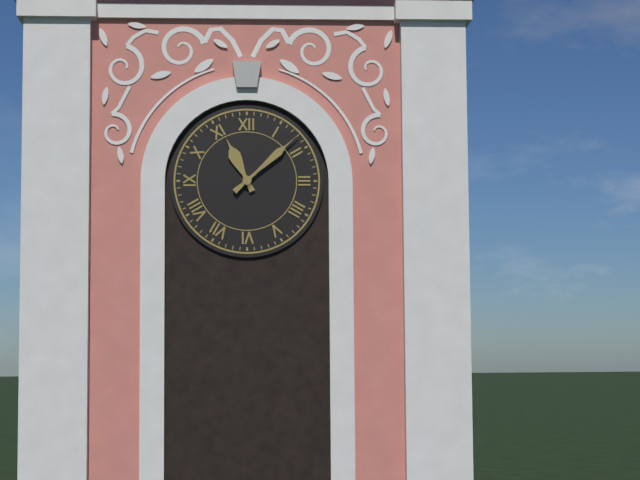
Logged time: h=11 m=8
